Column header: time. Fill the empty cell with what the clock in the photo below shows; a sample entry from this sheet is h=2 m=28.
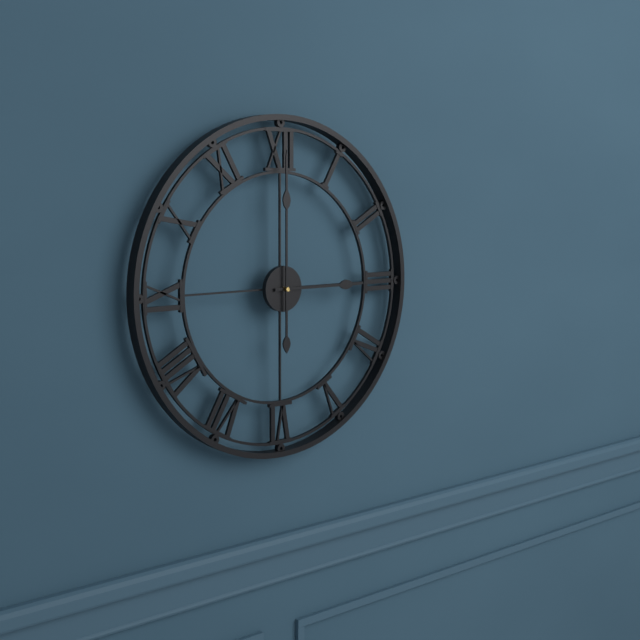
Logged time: h=3 m=0
